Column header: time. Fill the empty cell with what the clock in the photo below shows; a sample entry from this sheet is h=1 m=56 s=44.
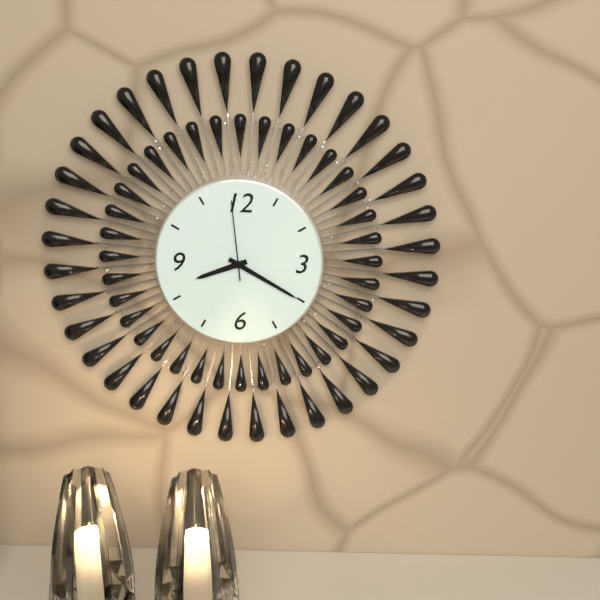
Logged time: h=8 m=20 s=59
